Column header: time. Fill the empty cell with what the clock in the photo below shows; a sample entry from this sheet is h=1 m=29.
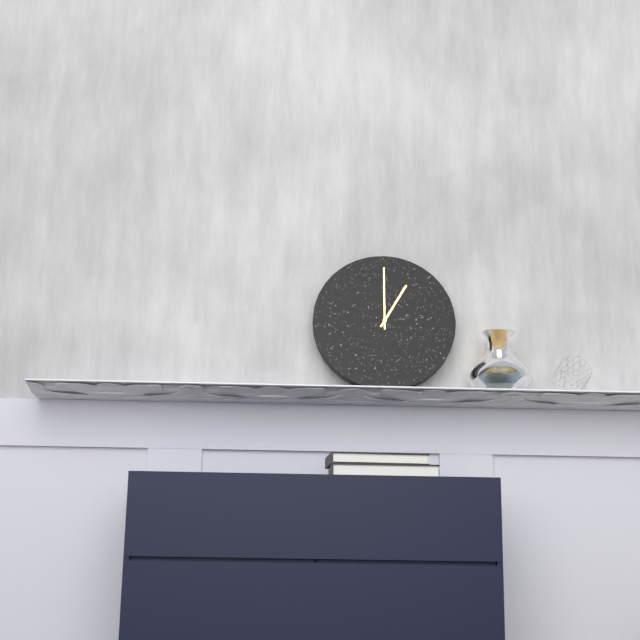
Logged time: h=1 m=0
